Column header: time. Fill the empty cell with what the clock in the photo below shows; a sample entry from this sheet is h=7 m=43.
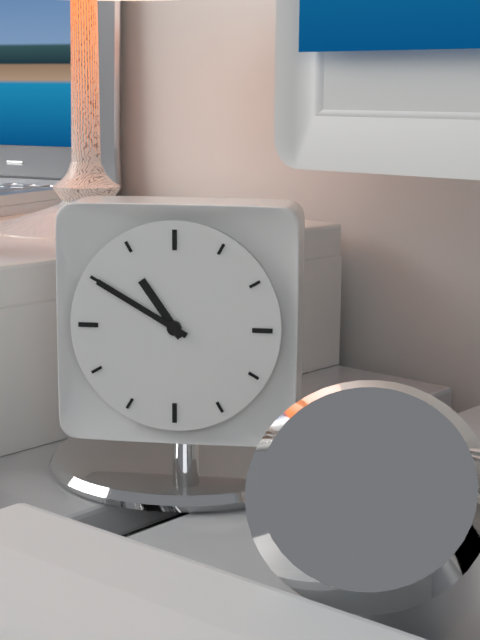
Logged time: h=10 m=50
